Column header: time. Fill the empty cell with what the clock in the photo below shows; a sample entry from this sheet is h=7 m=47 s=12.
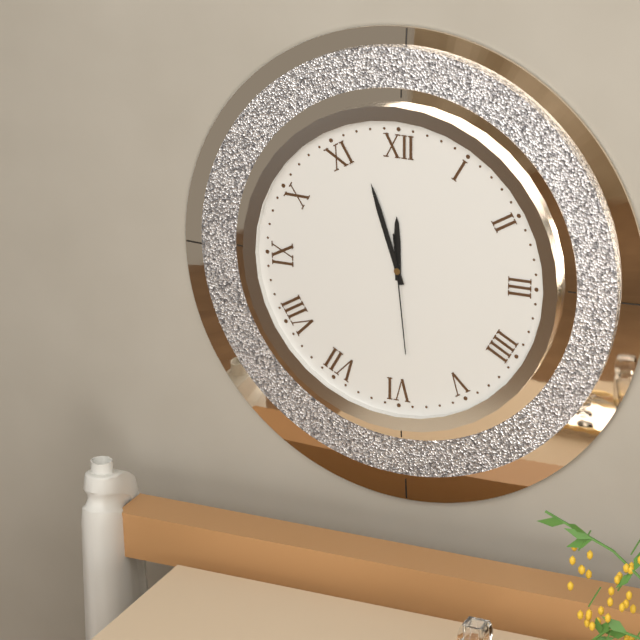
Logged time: h=11 m=57 s=29
